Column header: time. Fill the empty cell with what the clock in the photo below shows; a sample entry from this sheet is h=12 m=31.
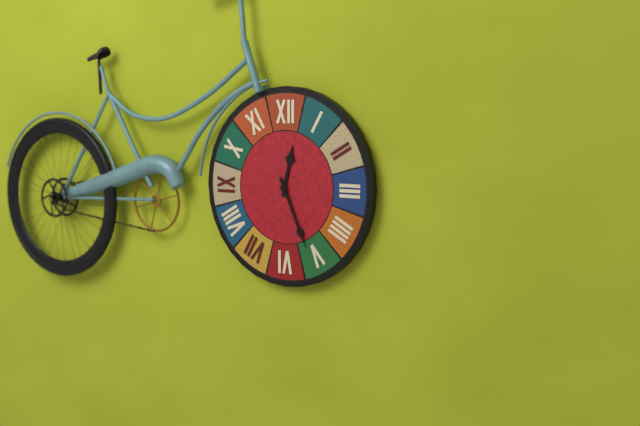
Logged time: h=12 m=26
